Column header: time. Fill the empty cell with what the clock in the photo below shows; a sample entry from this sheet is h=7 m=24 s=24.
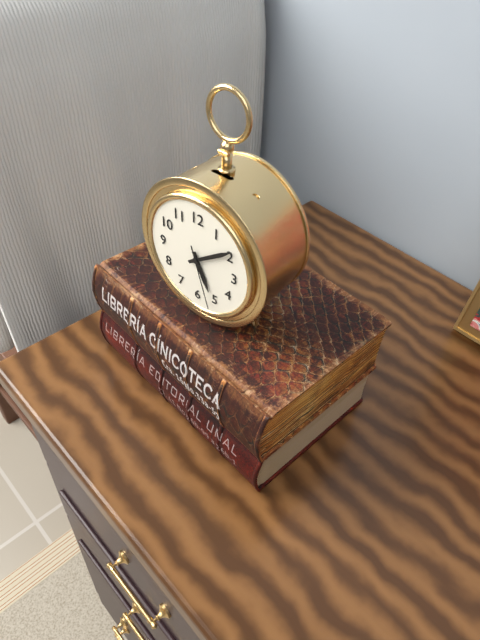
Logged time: h=5 m=9 s=27
